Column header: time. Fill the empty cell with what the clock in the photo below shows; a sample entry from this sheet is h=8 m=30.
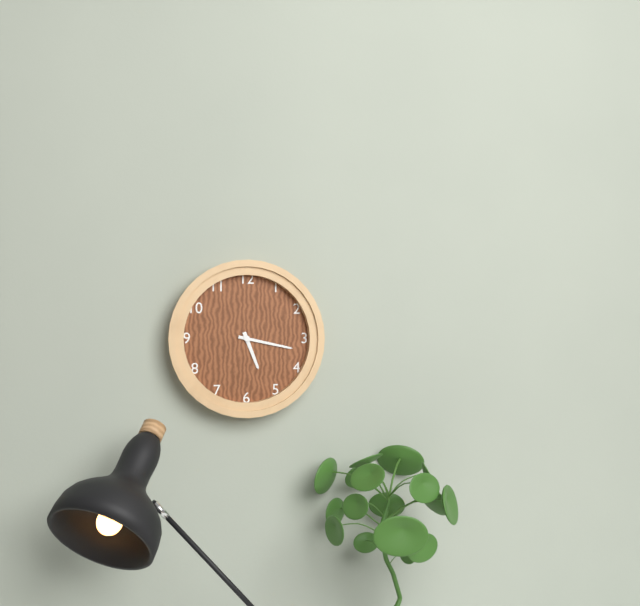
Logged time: h=5 m=17
